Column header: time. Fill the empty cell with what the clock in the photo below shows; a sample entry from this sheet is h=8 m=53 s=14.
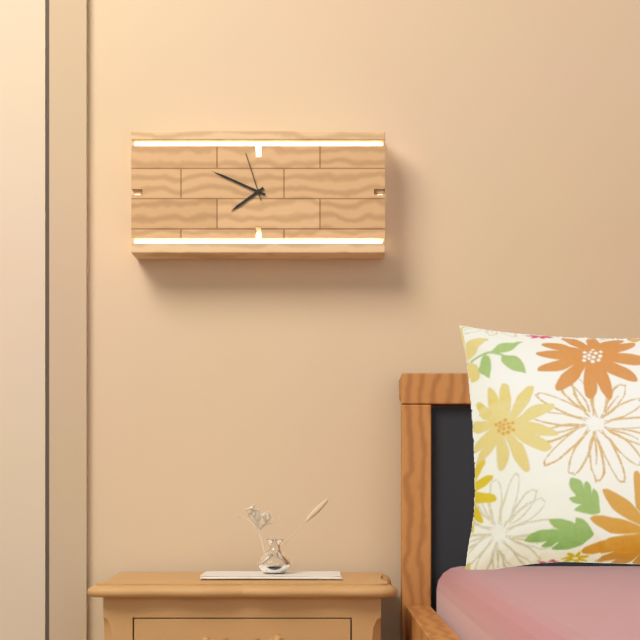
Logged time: h=7 m=49 s=57
